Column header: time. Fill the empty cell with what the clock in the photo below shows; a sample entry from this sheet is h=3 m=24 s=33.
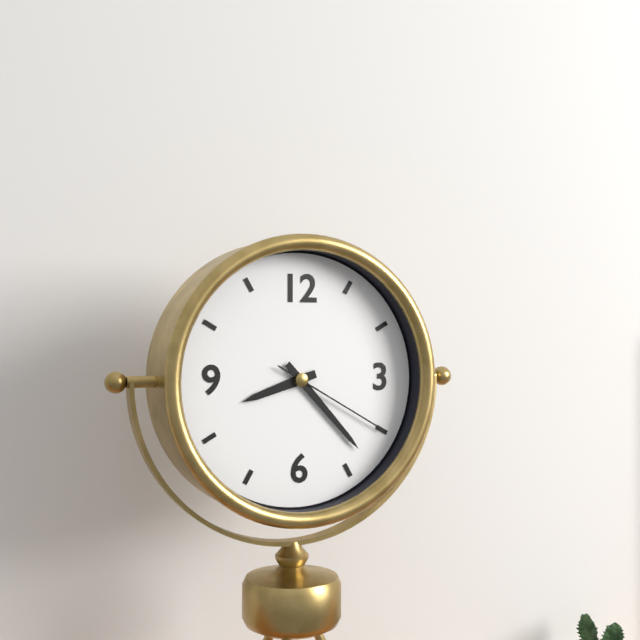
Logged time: h=8 m=23 s=20
